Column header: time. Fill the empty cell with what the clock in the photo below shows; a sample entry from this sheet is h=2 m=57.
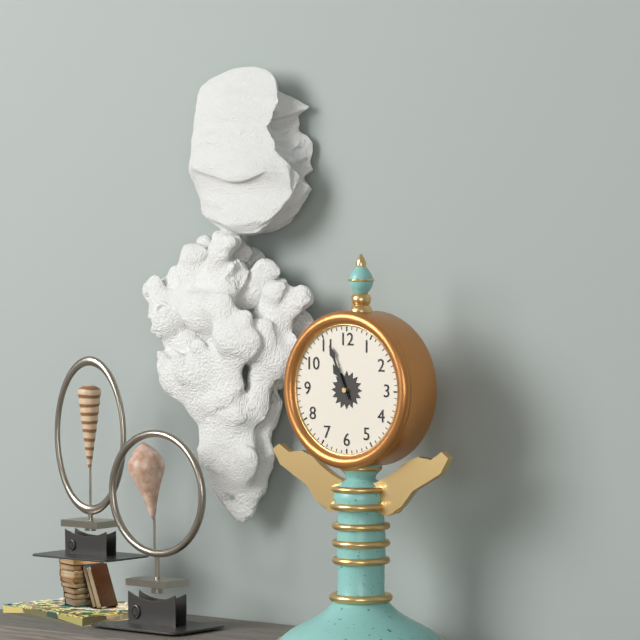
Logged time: h=10 m=56
